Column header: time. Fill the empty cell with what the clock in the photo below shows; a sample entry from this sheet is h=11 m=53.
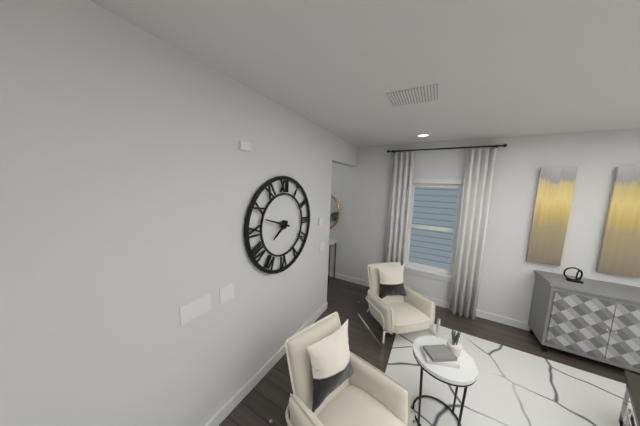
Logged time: h=7 m=48
